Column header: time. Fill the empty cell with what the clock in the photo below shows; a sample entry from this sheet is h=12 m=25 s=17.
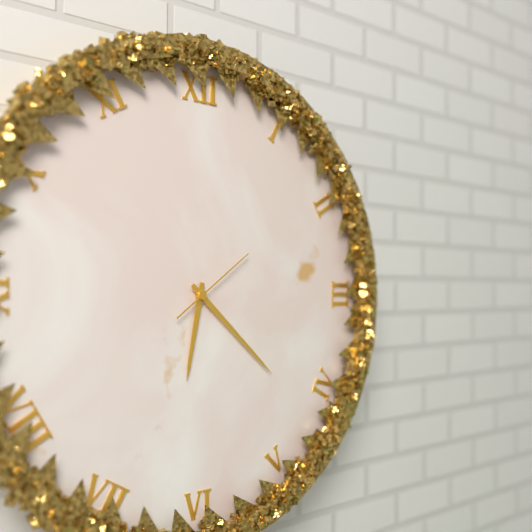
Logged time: h=6 m=22 s=9
